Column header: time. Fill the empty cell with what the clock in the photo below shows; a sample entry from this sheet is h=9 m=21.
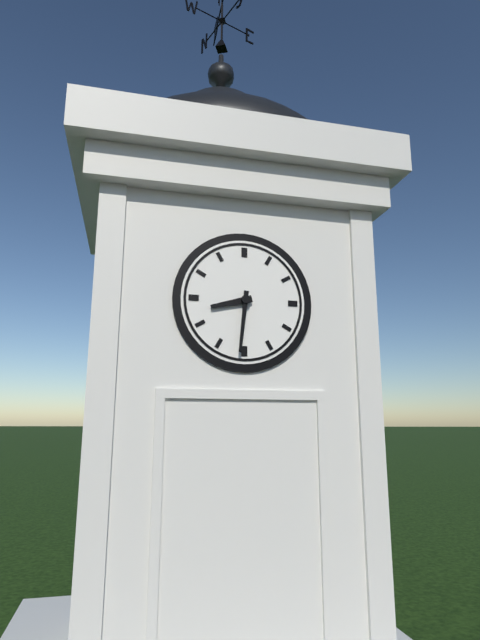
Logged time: h=8 m=31
